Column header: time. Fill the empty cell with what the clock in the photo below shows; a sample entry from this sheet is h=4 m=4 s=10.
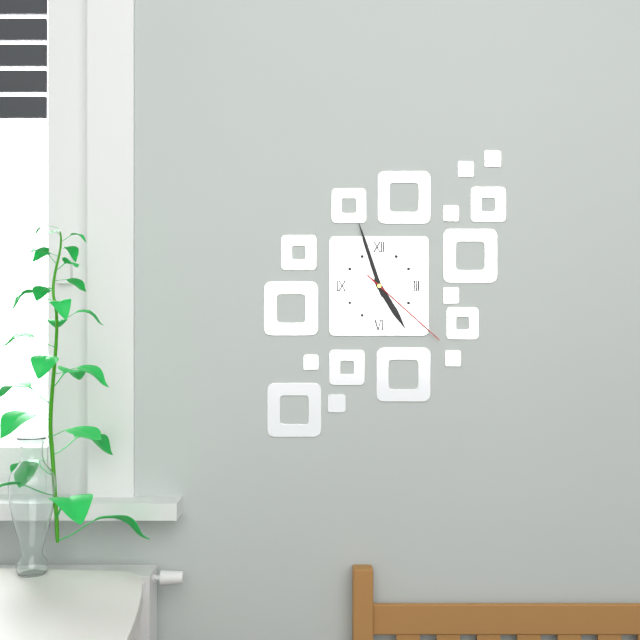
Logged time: h=4 m=57 s=22
